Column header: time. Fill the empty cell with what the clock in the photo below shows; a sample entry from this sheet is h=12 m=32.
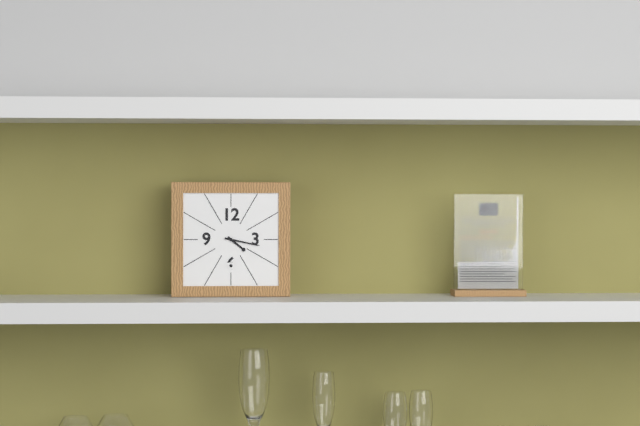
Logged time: h=4 m=17
